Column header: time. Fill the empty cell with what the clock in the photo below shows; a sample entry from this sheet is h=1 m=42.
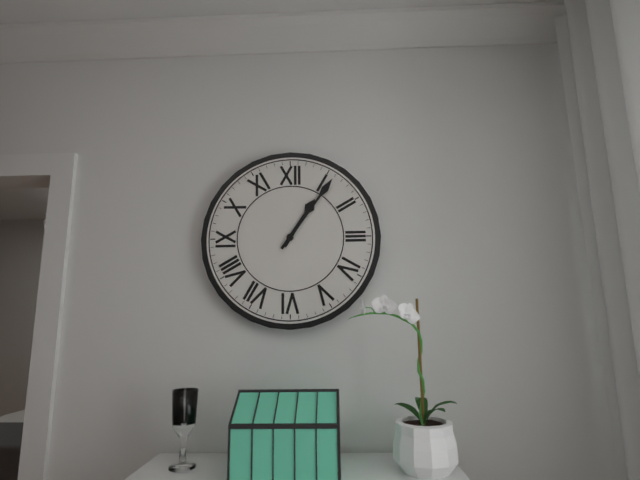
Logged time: h=1 m=6
